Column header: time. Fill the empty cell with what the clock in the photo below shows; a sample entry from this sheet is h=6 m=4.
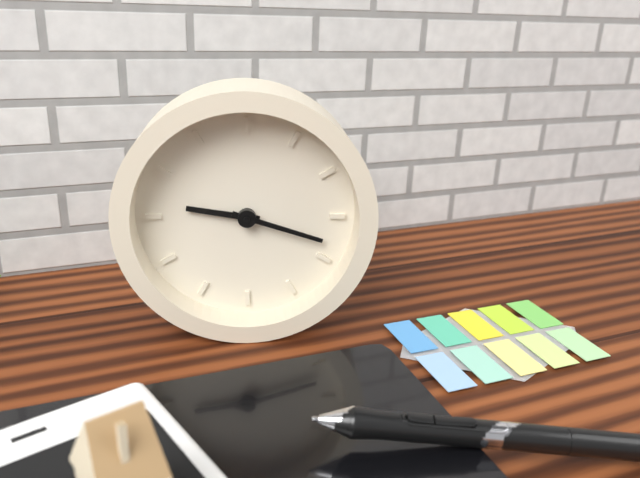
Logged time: h=9 m=18
